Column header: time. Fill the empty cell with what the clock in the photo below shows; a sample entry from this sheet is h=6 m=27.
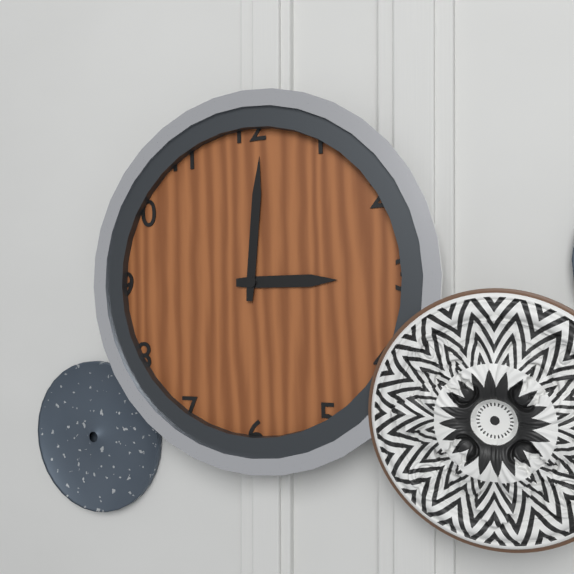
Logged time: h=3 m=1
